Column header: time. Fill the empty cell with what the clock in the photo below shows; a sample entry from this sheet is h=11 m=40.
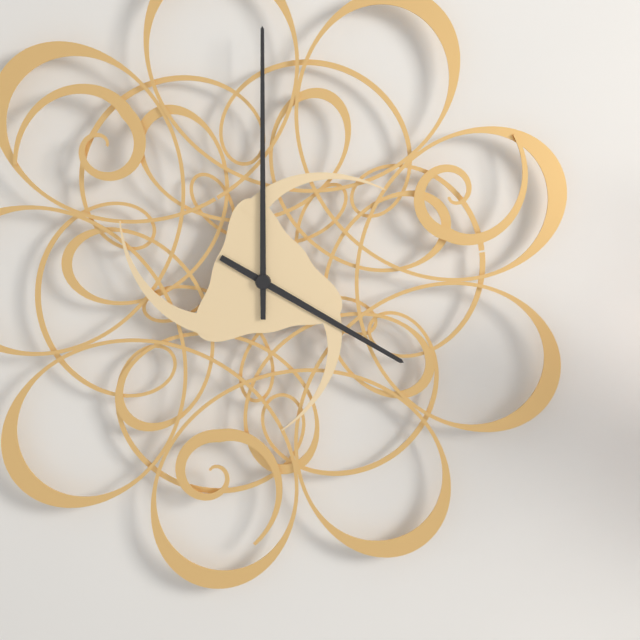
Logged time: h=4 m=0
